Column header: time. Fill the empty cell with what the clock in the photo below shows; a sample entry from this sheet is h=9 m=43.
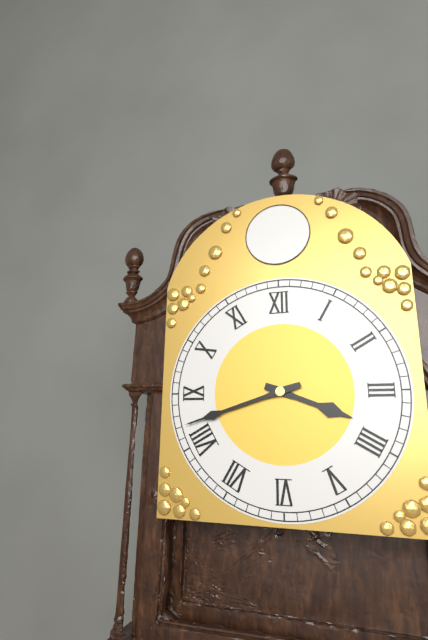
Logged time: h=3 m=42
